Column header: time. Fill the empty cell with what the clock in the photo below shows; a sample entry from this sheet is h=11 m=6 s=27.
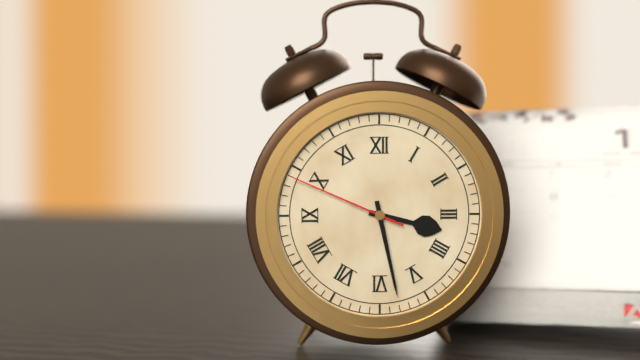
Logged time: h=3 m=28 s=49
